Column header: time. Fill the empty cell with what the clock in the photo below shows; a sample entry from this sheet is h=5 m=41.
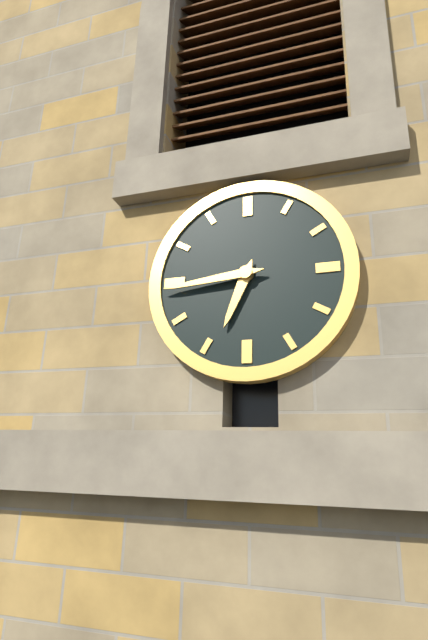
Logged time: h=6 m=44
